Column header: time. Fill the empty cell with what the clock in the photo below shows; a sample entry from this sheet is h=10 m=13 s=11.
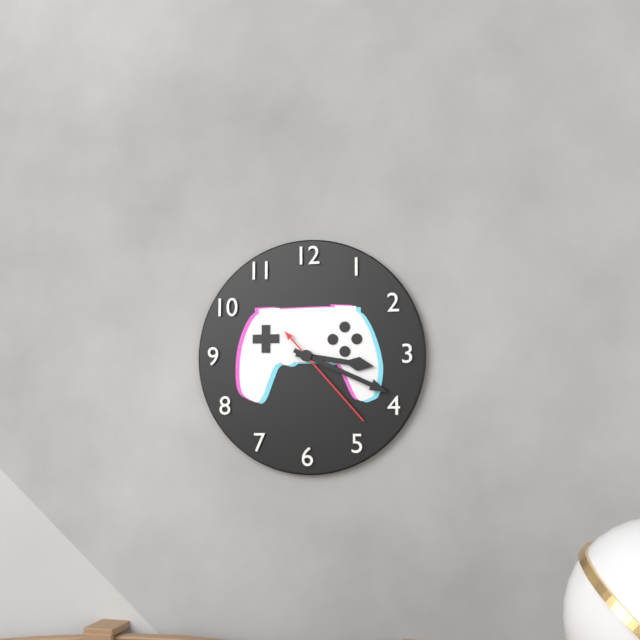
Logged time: h=3 m=19 s=23
